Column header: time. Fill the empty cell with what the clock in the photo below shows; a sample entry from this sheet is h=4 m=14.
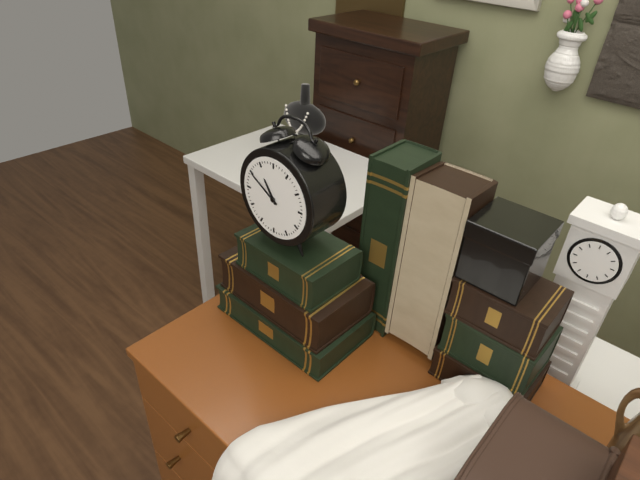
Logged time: h=10 m=50
